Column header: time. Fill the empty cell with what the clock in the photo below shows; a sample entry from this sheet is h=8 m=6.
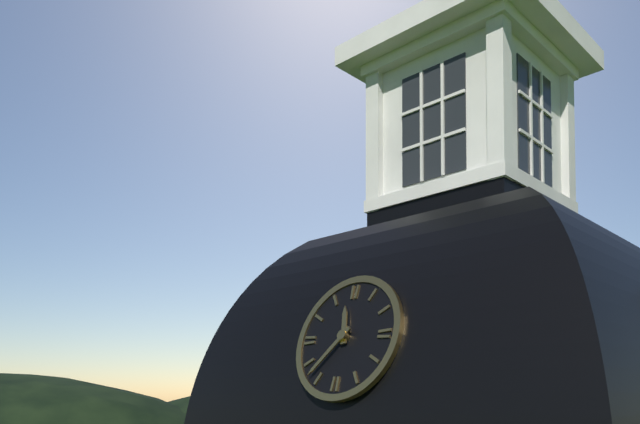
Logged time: h=11 m=37
